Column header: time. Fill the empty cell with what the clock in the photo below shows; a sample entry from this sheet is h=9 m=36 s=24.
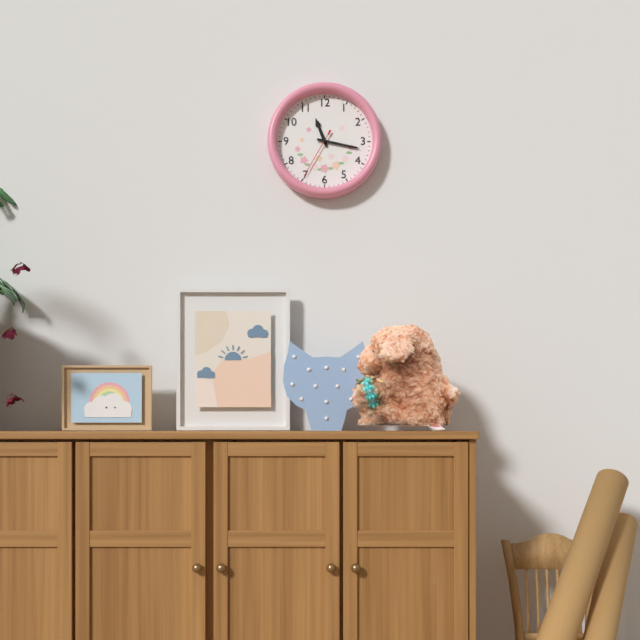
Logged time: h=11 m=17 s=35
